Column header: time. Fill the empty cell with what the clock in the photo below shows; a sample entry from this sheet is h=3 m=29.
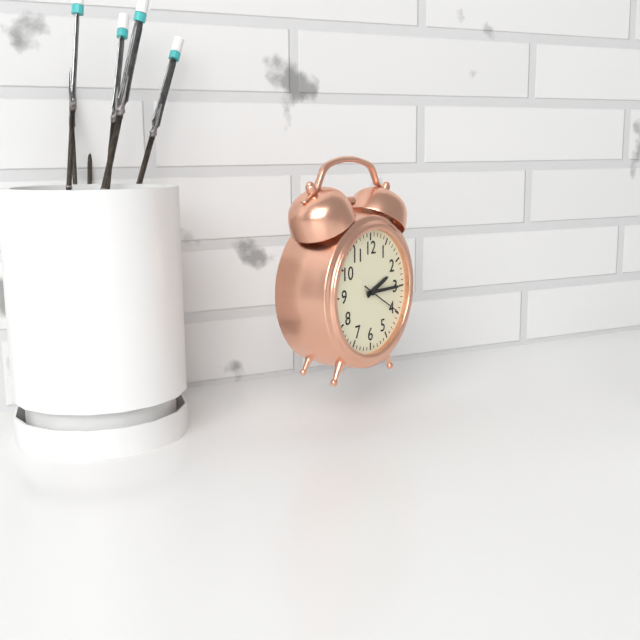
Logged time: h=2 m=15
